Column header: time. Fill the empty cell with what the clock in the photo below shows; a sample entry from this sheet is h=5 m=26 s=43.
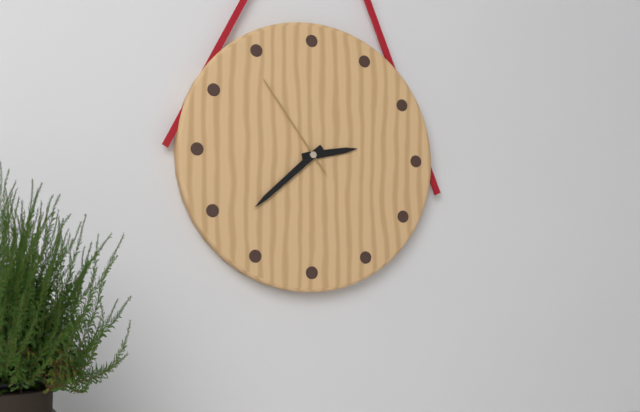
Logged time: h=2 m=38 s=54
